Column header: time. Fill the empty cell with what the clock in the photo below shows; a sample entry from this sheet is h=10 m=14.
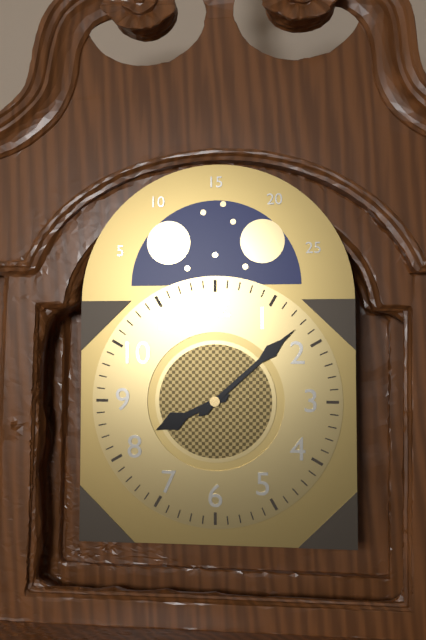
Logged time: h=8 m=8
